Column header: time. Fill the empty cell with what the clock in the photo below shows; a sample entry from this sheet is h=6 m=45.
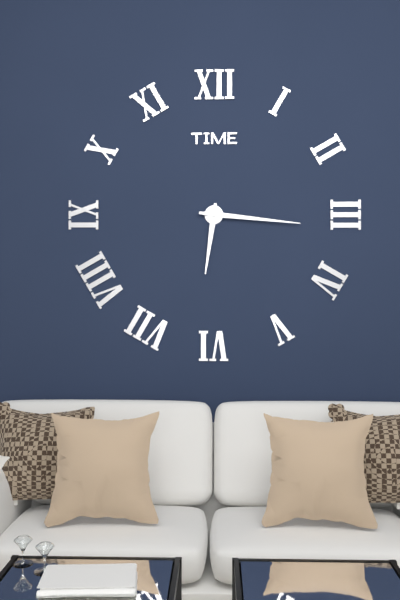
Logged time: h=6 m=16
